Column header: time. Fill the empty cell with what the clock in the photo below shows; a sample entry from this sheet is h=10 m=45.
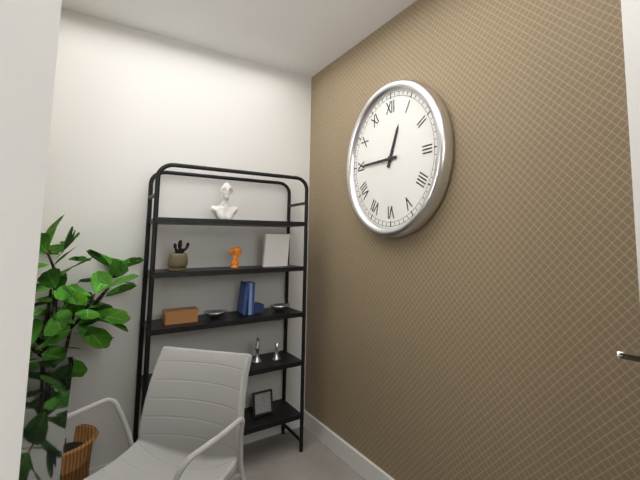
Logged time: h=12 m=45
